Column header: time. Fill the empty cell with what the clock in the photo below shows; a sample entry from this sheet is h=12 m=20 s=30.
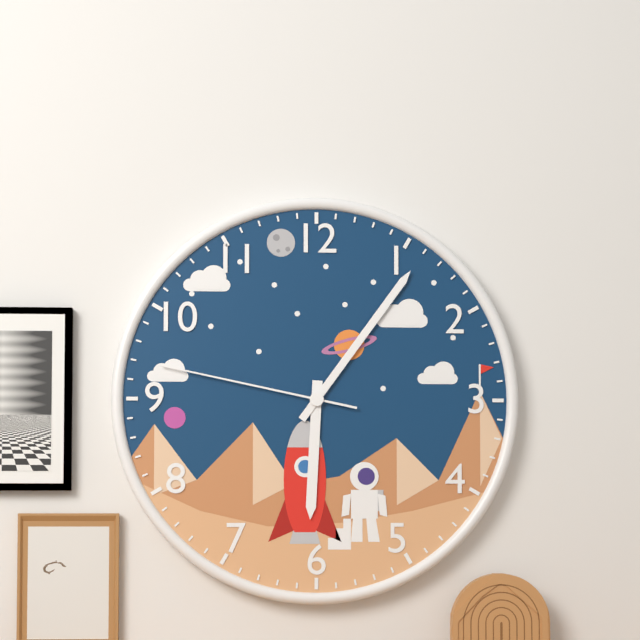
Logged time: h=6 m=6 s=47
